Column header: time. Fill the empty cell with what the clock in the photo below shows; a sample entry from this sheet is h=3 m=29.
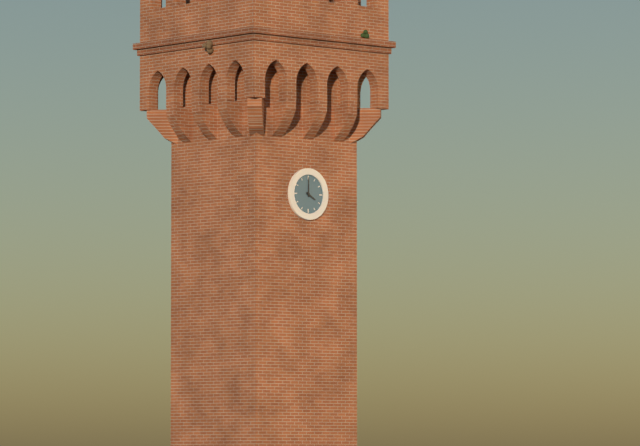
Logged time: h=4 m=0
